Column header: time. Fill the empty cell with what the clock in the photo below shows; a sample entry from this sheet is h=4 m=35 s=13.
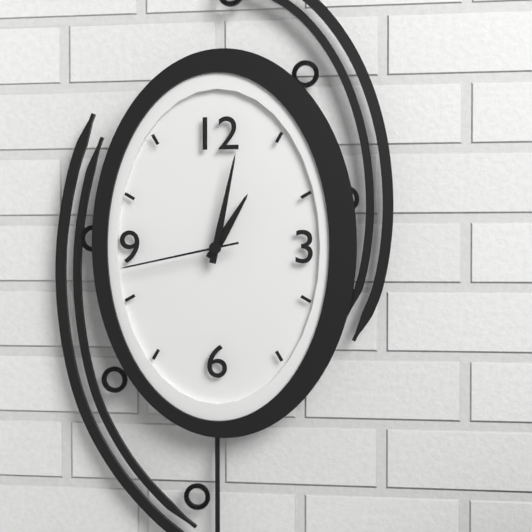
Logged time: h=1 m=2 s=43
